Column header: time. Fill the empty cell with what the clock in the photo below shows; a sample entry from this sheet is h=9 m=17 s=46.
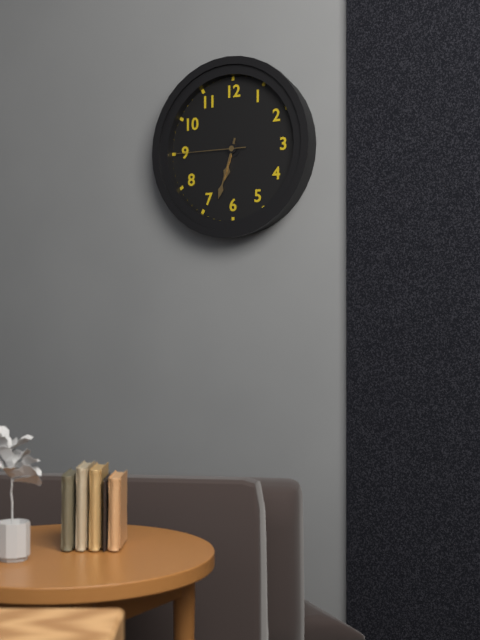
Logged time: h=6 m=33 s=45
